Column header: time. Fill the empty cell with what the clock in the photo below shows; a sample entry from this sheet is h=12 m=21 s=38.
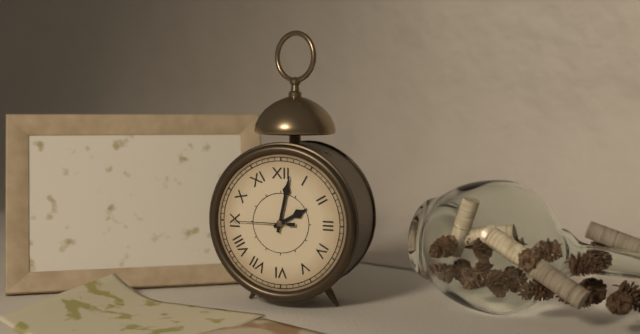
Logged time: h=2 m=2 s=45
